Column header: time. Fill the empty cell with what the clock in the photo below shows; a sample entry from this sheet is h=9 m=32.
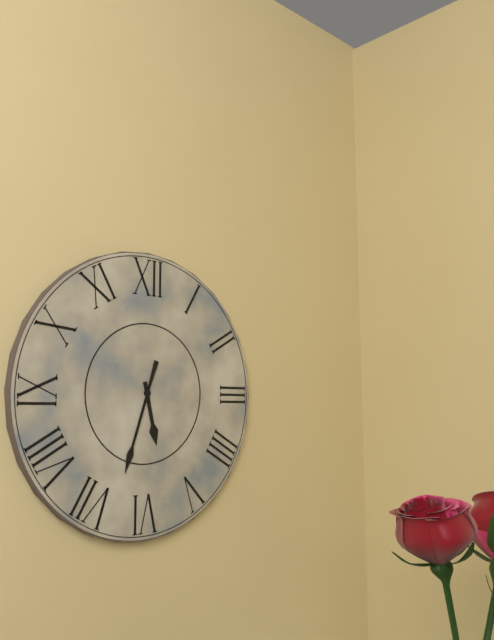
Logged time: h=5 m=33
